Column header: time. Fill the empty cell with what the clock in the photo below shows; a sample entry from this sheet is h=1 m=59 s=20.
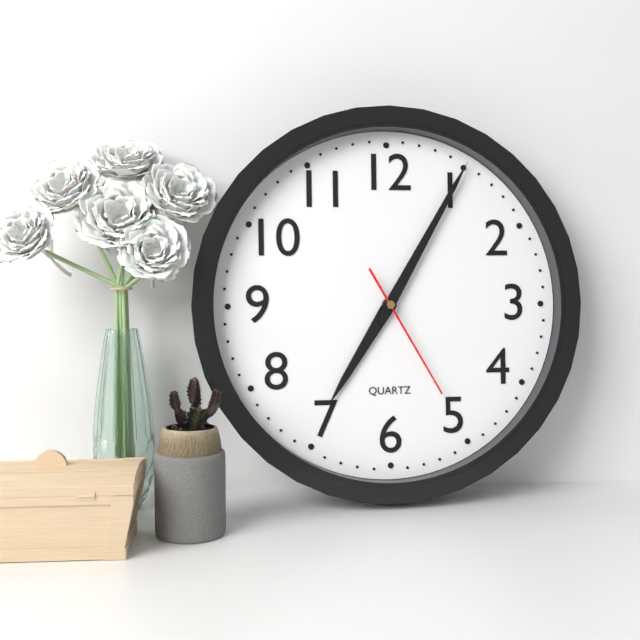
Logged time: h=7 m=5 s=25
